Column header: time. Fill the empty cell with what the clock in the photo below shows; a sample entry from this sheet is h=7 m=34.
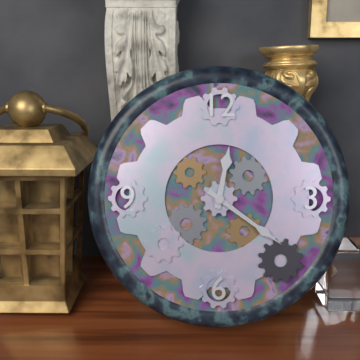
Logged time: h=12 m=21
